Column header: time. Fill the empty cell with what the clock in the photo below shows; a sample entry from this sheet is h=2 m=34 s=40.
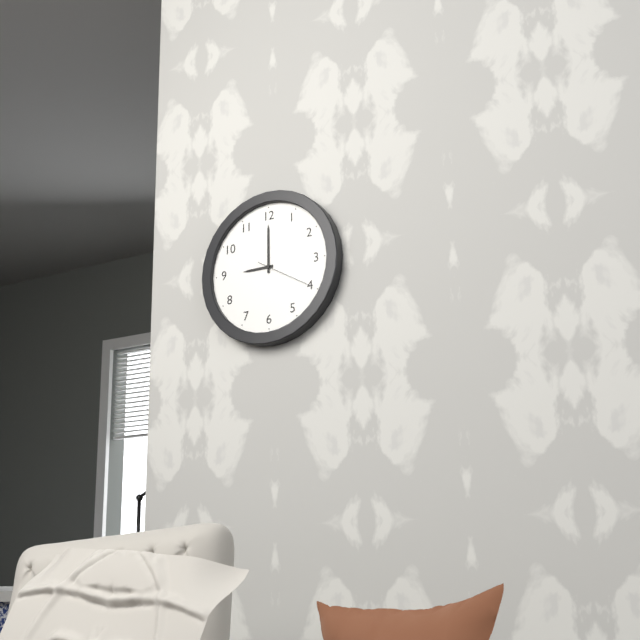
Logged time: h=9 m=0 s=20
